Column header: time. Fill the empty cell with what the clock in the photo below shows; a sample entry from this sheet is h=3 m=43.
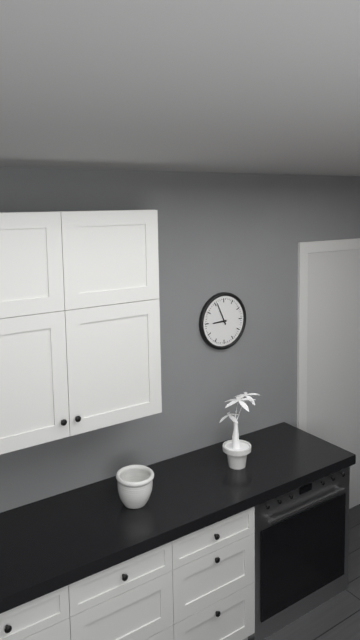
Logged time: h=8 m=56
